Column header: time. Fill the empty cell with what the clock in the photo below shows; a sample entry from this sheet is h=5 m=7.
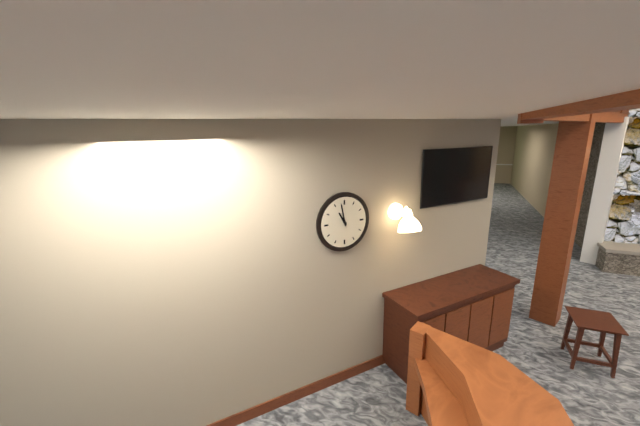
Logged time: h=10 m=58
